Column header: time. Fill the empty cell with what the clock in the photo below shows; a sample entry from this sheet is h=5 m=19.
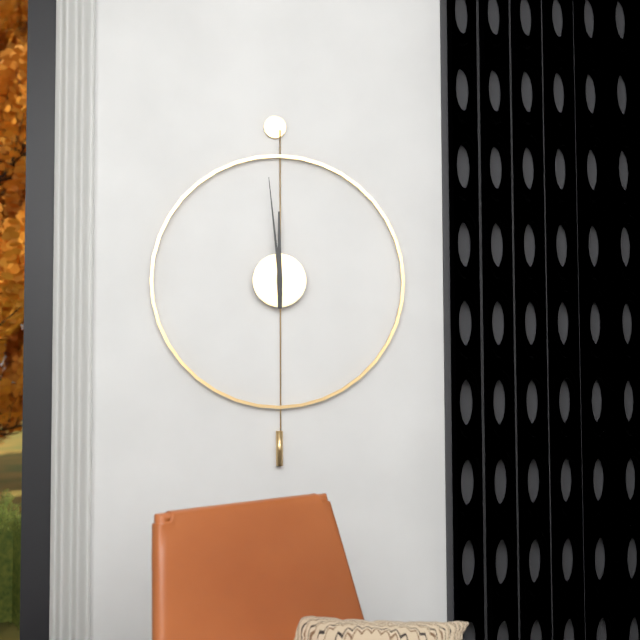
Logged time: h=11 m=59
